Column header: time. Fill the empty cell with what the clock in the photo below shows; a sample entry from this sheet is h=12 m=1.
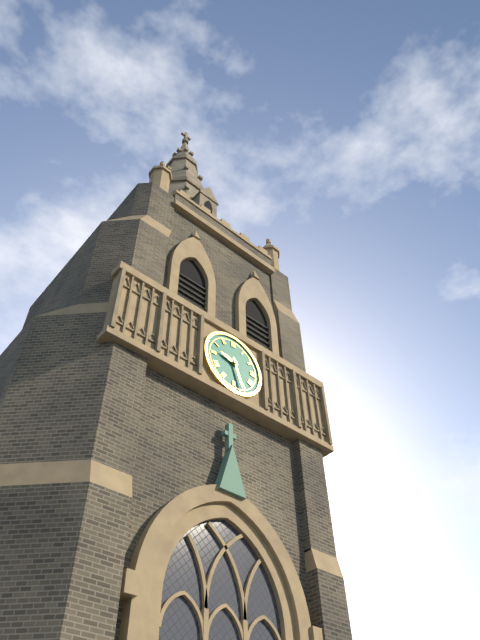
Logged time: h=9 m=27
